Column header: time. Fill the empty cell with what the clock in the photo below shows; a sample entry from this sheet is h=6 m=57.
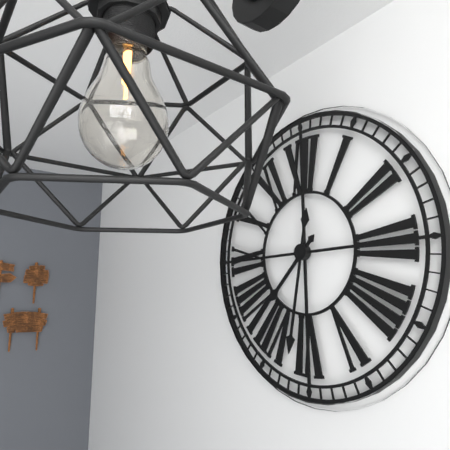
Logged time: h=7 m=32
